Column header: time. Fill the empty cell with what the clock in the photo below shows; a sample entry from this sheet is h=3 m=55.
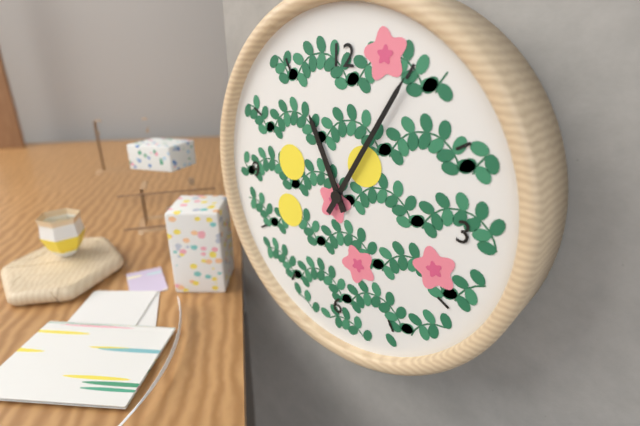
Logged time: h=11 m=5
